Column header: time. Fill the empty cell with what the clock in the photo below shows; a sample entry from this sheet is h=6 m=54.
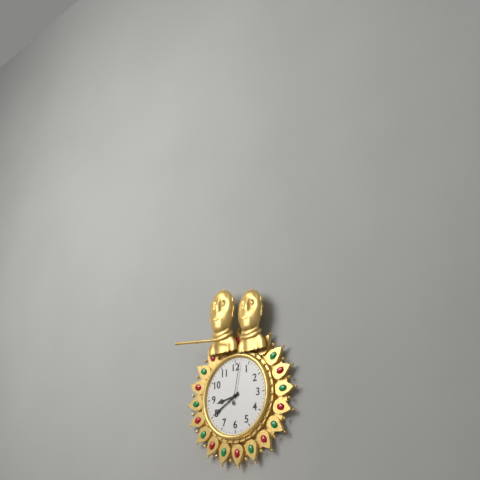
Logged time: h=8 m=40
